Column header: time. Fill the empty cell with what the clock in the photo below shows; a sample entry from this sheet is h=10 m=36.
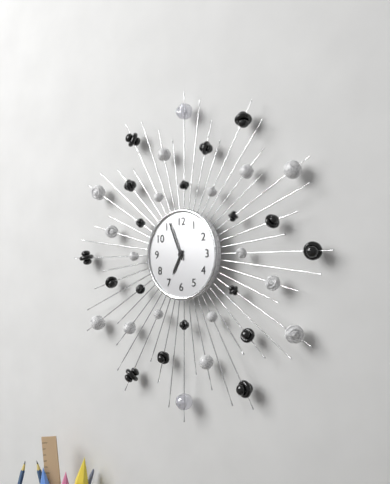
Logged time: h=6 m=56
